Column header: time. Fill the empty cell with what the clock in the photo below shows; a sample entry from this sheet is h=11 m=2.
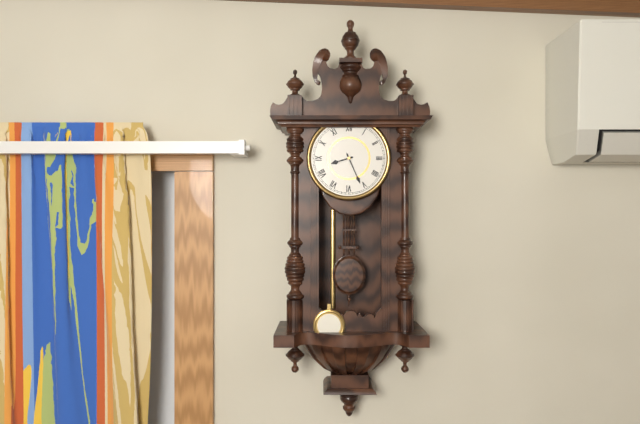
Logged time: h=8 m=26
